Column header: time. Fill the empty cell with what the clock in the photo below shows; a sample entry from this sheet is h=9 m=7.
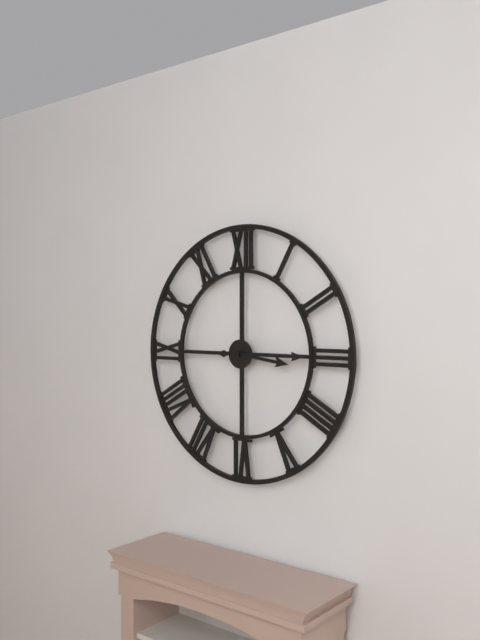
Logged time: h=3 m=15
